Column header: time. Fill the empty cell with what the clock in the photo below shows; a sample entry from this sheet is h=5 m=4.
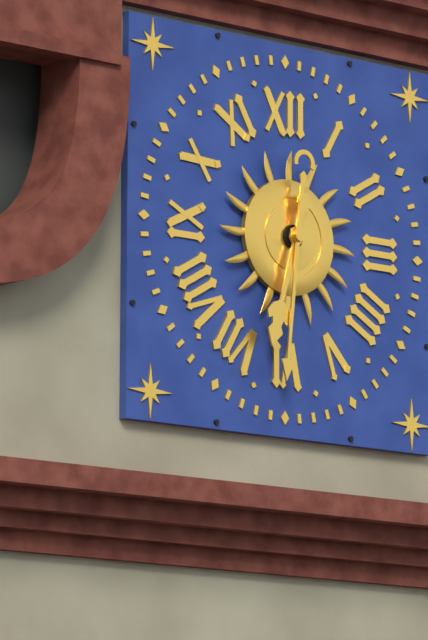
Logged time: h=6 m=31
